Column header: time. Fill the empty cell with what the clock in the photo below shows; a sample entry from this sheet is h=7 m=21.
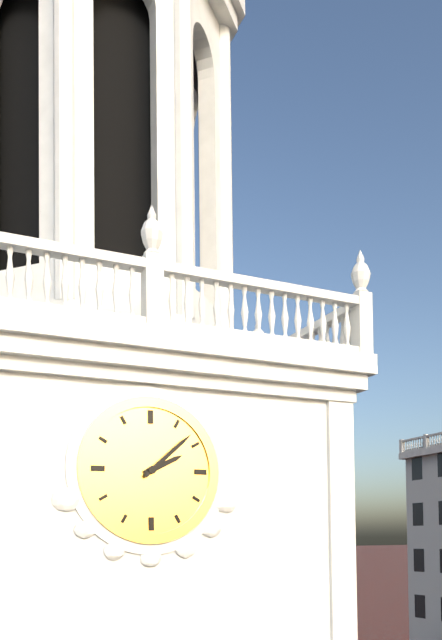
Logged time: h=2 m=8
